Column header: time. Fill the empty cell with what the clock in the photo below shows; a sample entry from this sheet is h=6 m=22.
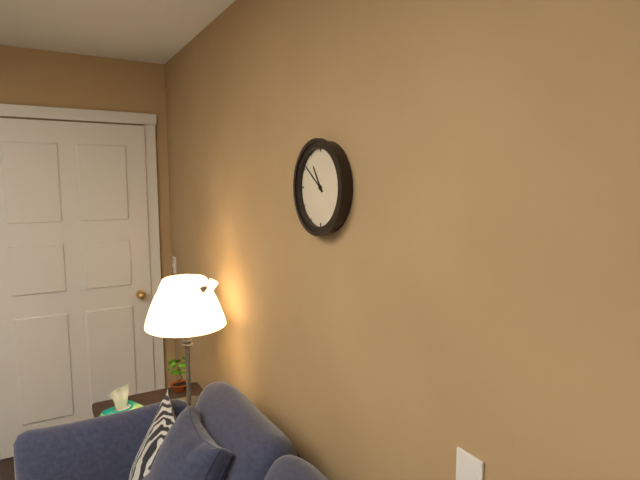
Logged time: h=10 m=51
